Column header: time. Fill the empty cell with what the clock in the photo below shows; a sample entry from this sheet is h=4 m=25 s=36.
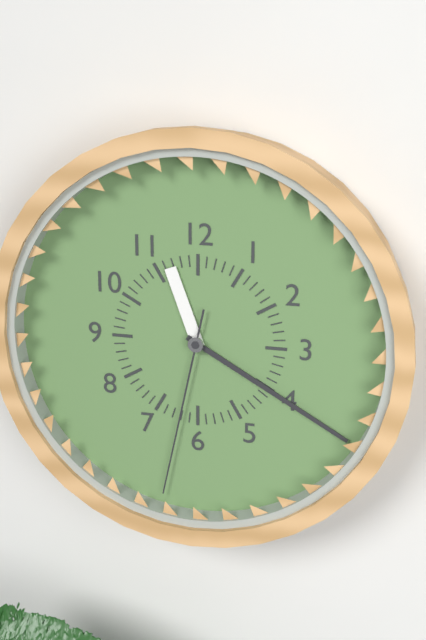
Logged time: h=11 m=20 s=32
